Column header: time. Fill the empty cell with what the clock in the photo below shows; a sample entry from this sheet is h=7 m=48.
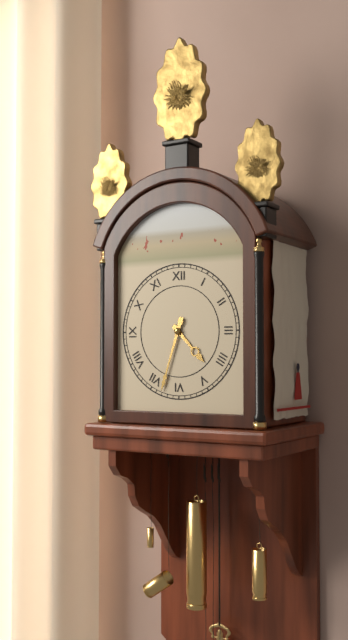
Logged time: h=4 m=33
